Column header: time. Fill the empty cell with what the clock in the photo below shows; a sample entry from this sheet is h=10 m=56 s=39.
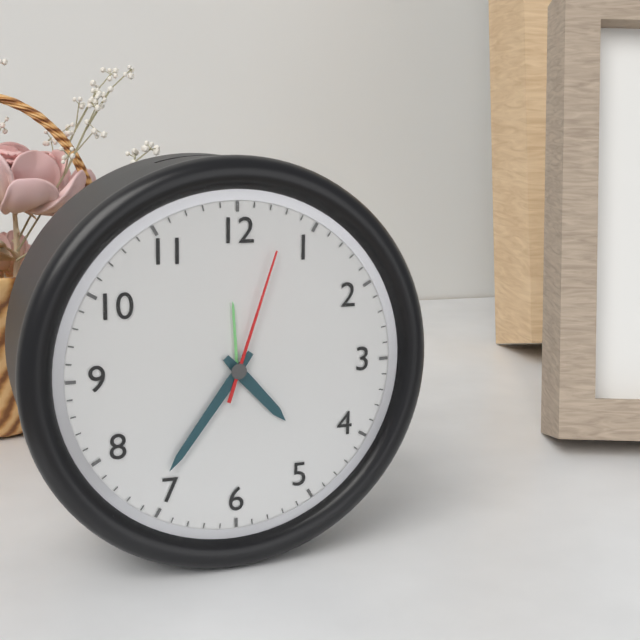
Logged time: h=4 m=36 s=3
